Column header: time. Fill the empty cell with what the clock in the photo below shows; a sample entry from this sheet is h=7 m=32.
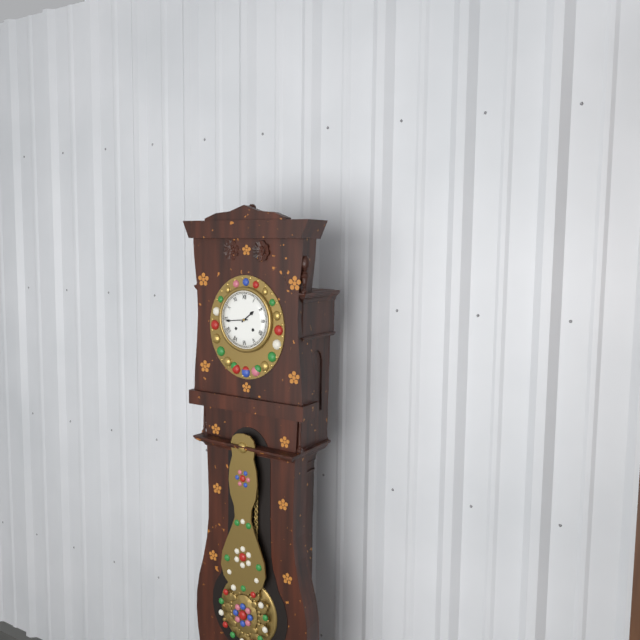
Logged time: h=1 m=44
